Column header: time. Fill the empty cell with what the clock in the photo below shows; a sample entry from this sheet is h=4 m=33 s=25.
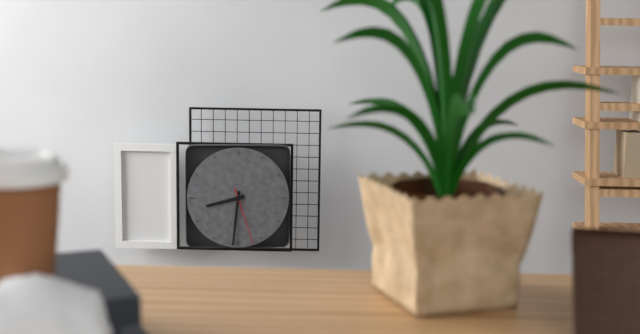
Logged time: h=8 m=31 s=27
